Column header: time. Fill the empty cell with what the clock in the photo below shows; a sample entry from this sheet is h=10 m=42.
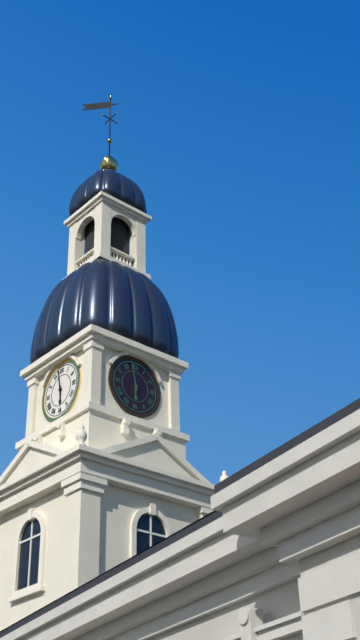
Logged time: h=5 m=58
